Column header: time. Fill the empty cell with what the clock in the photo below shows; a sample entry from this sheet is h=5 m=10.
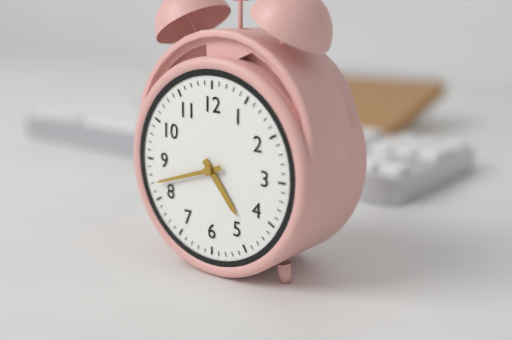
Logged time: h=4 m=42
